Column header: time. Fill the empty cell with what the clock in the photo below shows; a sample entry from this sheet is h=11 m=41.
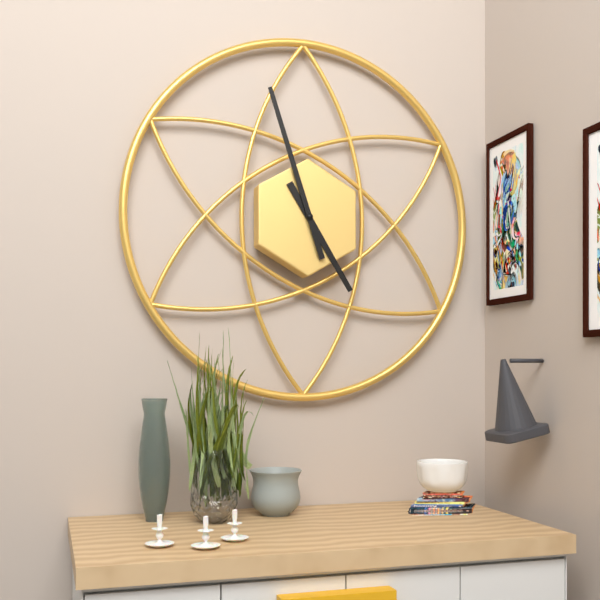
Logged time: h=4 m=57
